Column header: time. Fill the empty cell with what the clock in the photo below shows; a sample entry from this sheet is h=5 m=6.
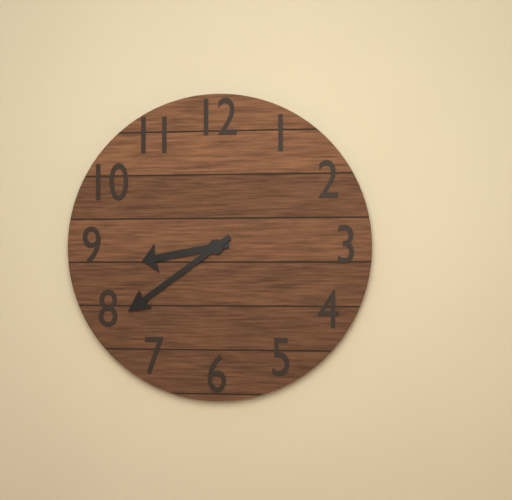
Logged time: h=8 m=39
